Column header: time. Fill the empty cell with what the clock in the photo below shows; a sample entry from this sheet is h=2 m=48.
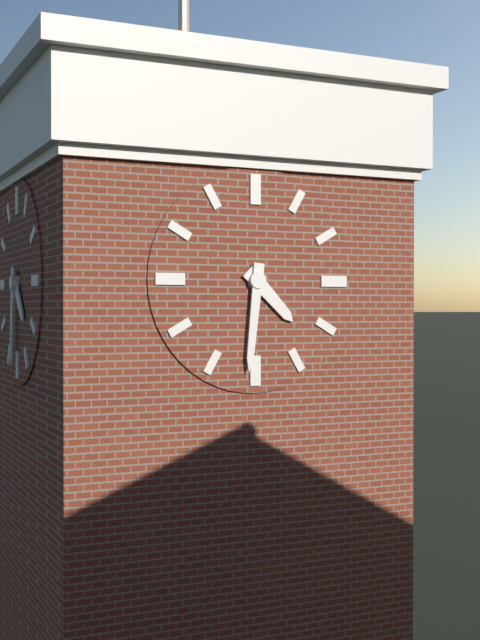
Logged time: h=4 m=31
